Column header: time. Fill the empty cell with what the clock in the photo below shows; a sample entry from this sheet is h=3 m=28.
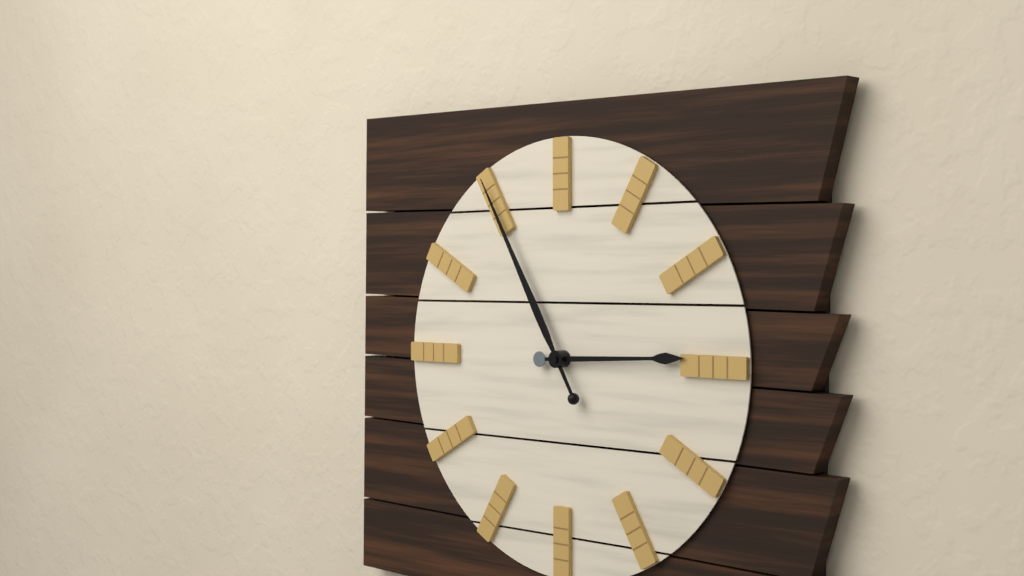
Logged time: h=2 m=55
